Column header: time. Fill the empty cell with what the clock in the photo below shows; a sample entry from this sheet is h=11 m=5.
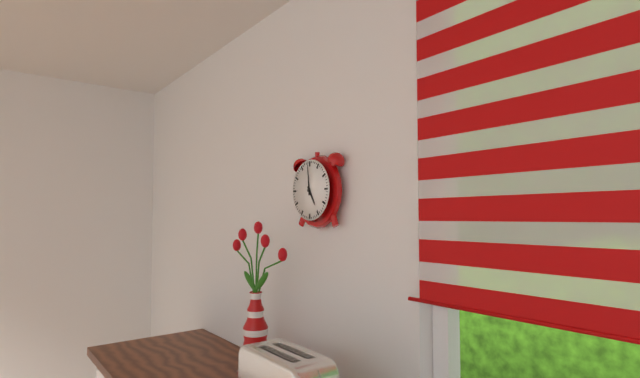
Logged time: h=4 m=59
